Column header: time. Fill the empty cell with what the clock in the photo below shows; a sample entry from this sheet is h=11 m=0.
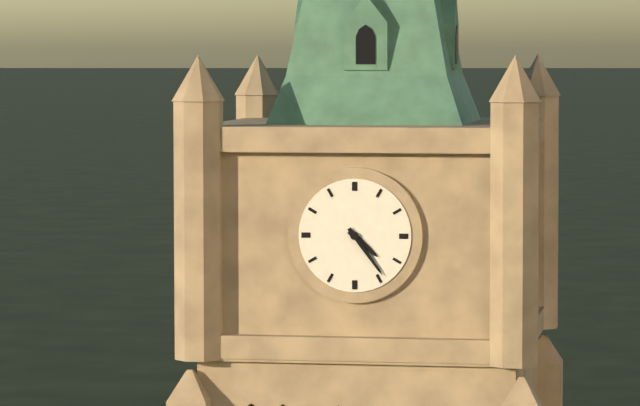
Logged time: h=4 m=24
